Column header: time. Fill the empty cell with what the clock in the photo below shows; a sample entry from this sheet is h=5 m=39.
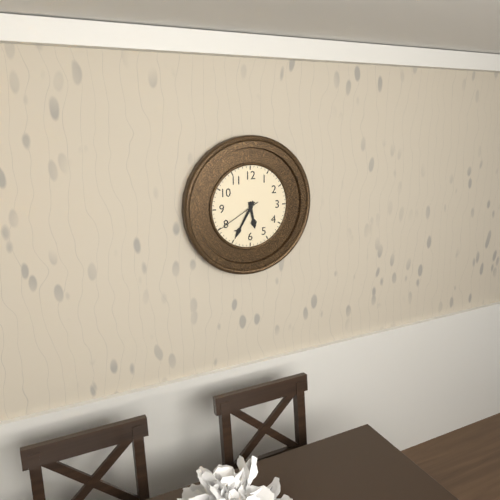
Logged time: h=5 m=35
